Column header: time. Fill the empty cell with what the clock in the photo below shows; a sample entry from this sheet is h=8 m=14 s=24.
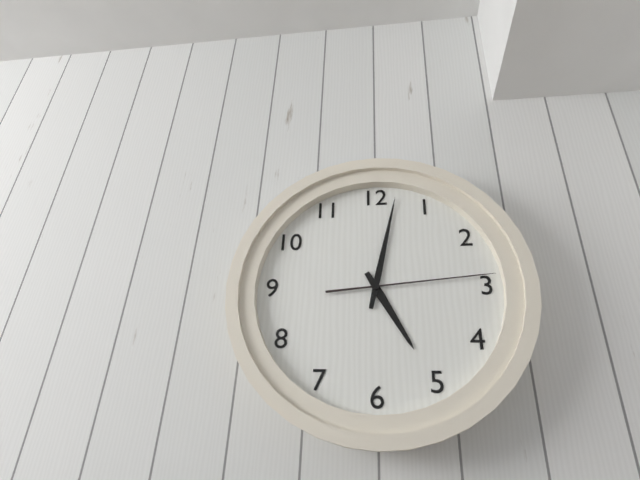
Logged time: h=5 m=2 s=14
